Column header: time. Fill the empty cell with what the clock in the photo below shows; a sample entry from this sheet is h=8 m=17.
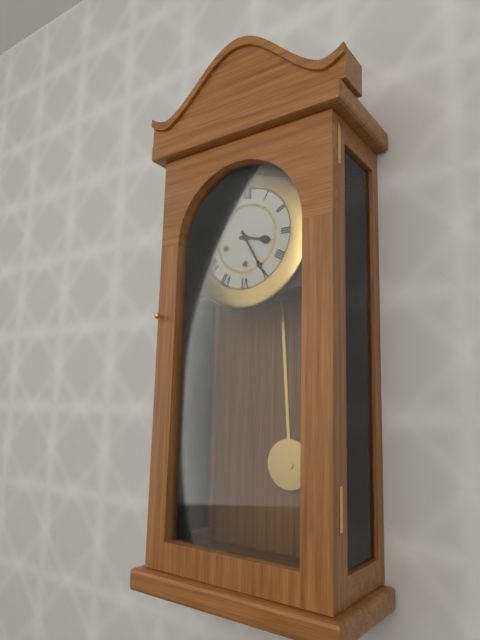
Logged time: h=3 m=25
